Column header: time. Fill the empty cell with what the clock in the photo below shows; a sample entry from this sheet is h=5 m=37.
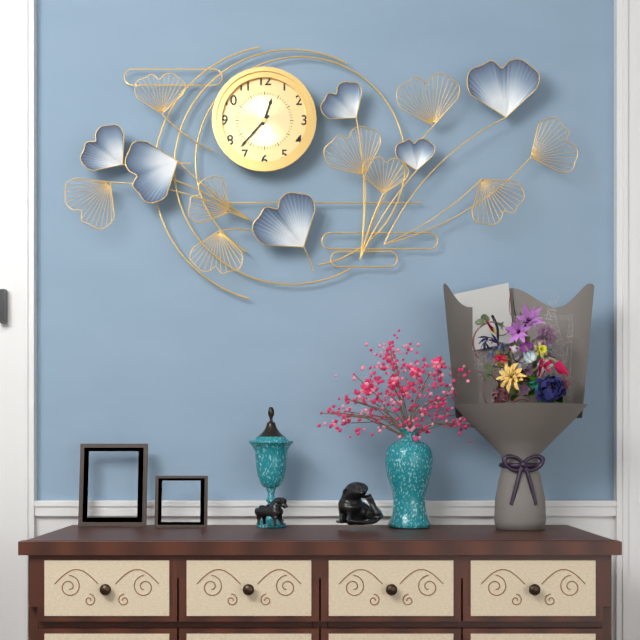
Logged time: h=12 m=37
